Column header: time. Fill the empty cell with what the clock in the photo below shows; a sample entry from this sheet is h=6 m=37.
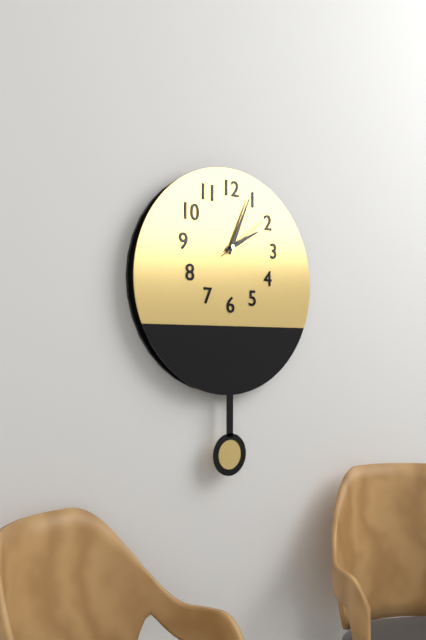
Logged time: h=2 m=4
